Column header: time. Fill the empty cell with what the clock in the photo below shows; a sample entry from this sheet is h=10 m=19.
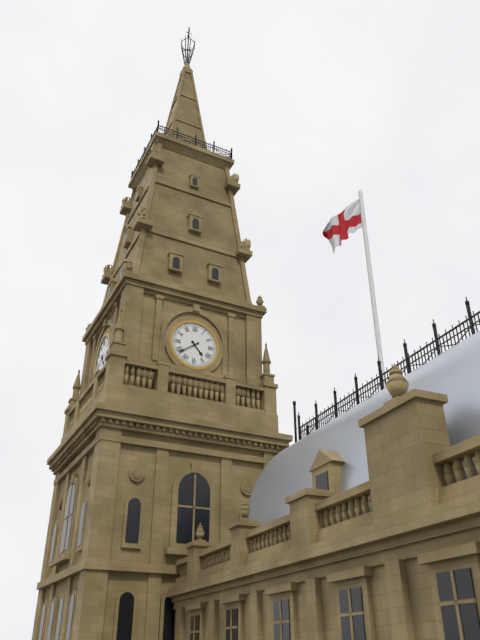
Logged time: h=4 m=39
